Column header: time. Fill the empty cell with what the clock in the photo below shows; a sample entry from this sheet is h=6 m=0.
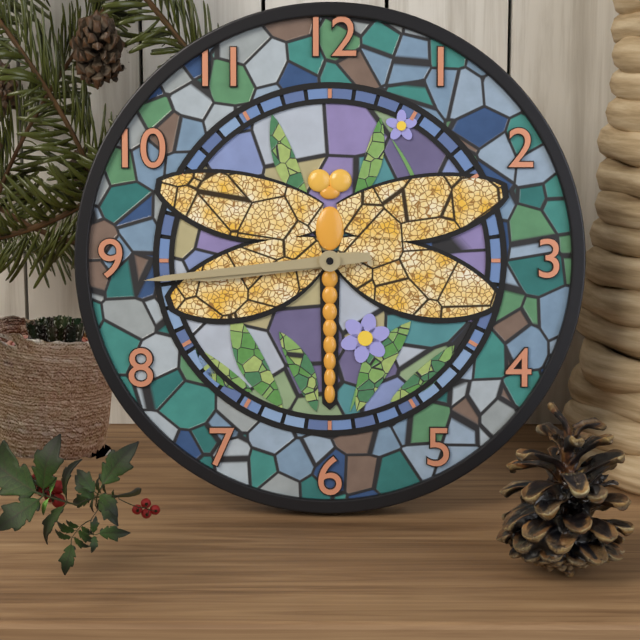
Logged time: h=8 m=44
